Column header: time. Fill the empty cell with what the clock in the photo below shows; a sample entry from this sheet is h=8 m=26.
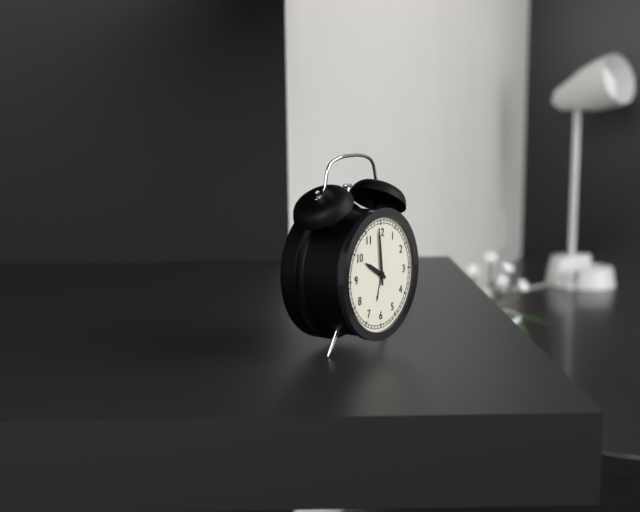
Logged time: h=9 m=59
